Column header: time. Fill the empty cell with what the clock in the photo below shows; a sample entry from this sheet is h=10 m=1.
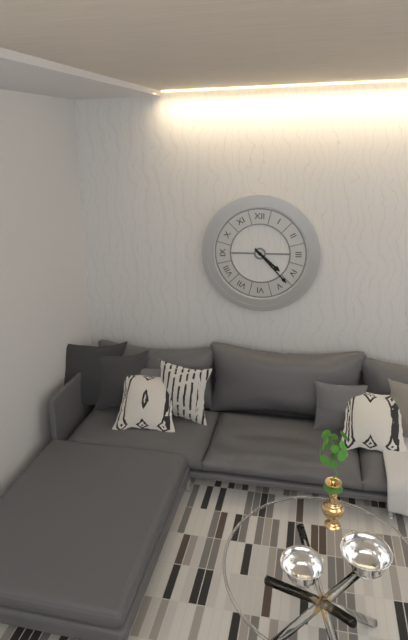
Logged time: h=4 m=23
